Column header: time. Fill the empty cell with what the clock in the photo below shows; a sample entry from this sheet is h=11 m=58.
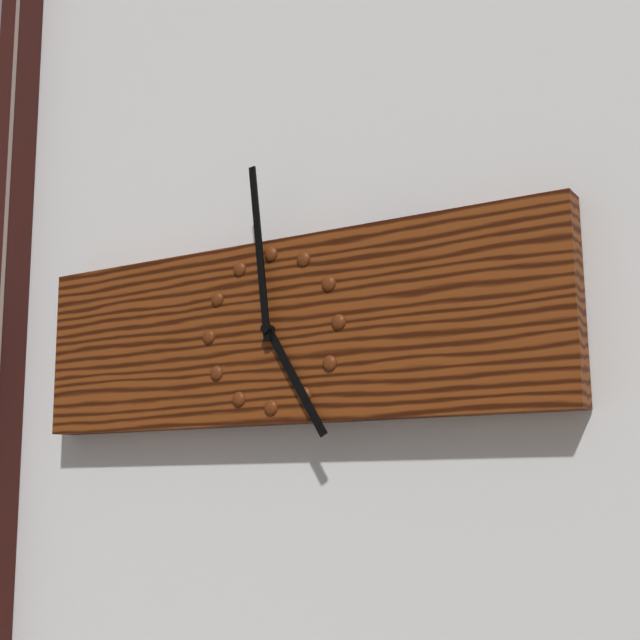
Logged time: h=4 m=59
